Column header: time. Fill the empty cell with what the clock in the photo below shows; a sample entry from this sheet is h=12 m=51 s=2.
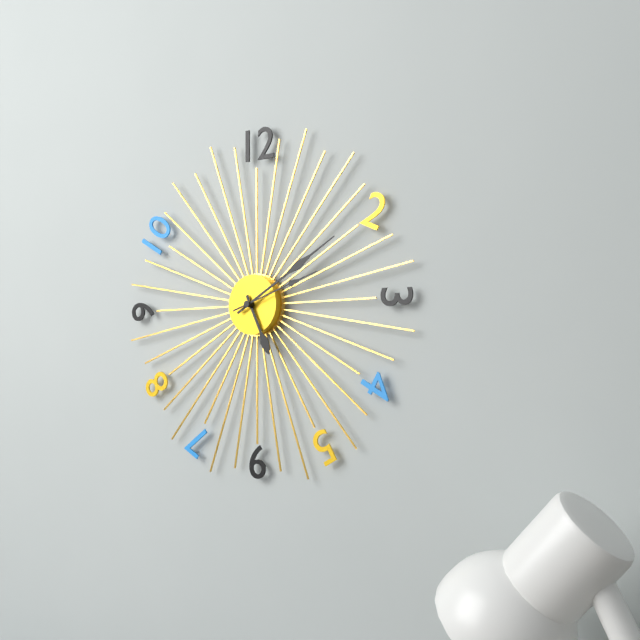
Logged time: h=5 m=10 s=12
